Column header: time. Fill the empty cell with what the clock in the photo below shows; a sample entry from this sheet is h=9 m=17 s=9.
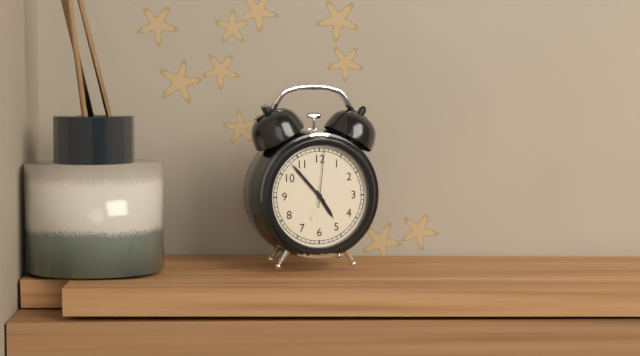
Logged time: h=4 m=53 s=1
